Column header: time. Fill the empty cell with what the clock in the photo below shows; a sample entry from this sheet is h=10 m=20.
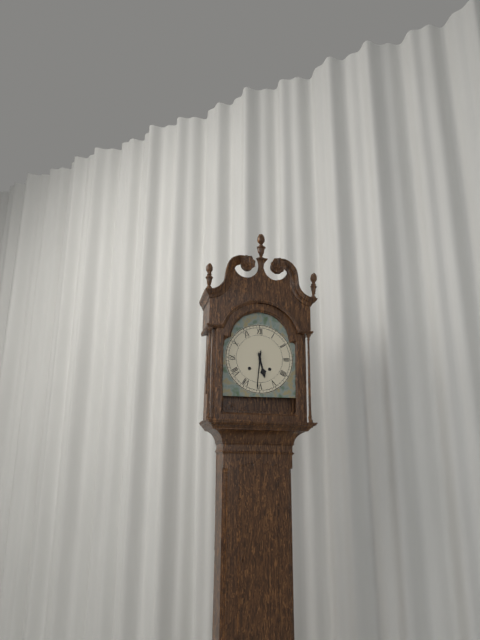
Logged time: h=5 m=31
